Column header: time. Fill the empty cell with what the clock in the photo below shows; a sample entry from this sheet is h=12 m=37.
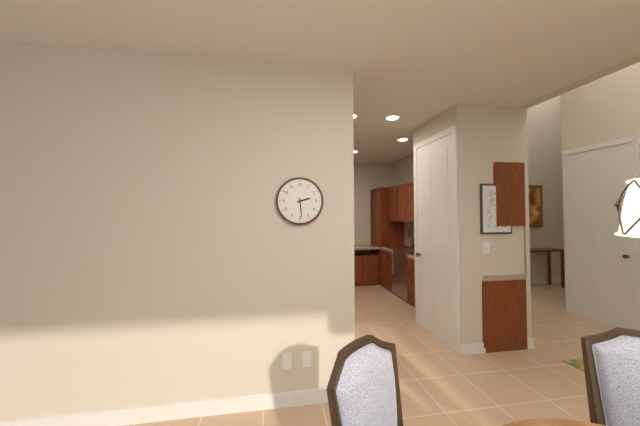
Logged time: h=2 m=29
